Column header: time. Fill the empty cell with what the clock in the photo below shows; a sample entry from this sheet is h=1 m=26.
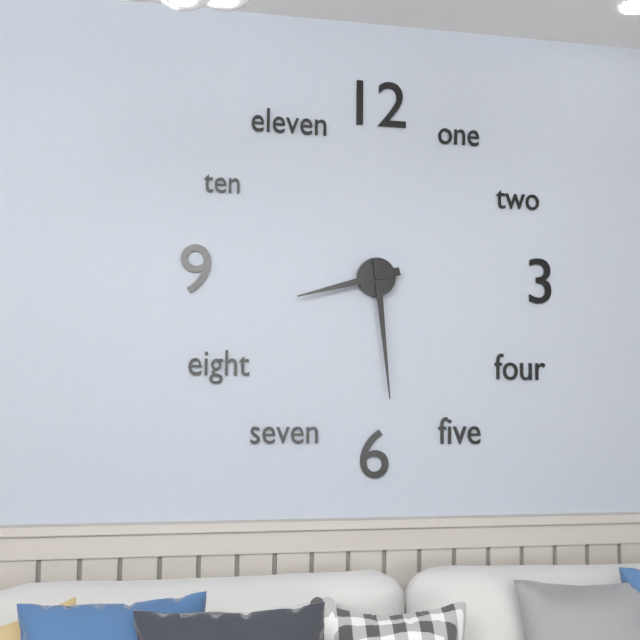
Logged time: h=8 m=29
